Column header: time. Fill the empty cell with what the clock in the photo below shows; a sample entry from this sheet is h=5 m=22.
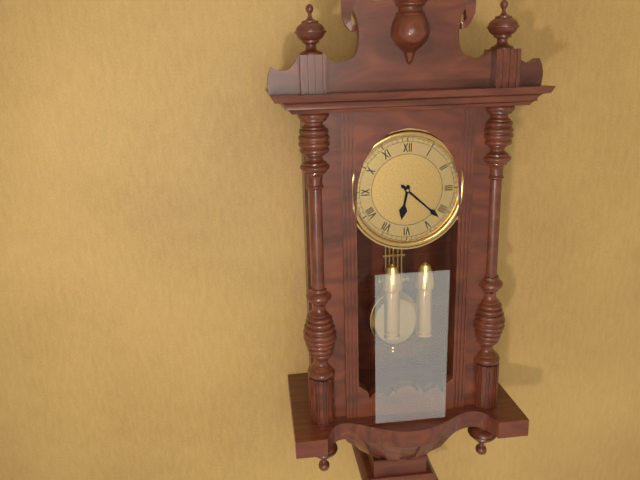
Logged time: h=6 m=22
